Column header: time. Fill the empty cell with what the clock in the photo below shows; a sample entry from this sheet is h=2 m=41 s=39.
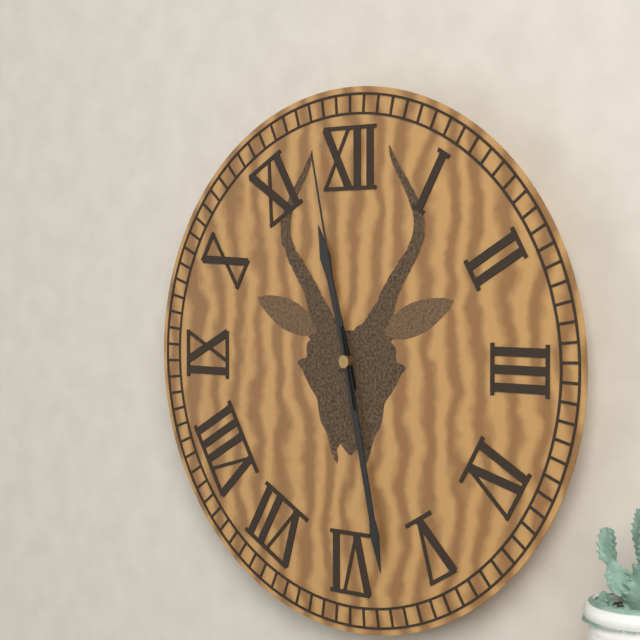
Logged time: h=11 m=28 s=58
